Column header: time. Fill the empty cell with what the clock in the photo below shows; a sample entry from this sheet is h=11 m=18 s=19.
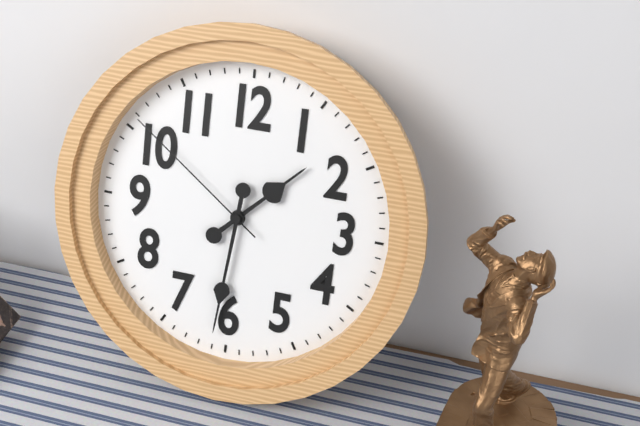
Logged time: h=1 m=31 s=51
